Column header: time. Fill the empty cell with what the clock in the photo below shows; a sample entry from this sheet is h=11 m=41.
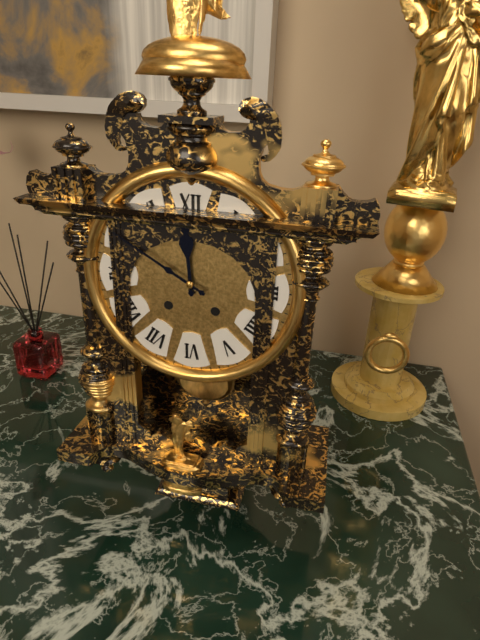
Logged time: h=11 m=50
